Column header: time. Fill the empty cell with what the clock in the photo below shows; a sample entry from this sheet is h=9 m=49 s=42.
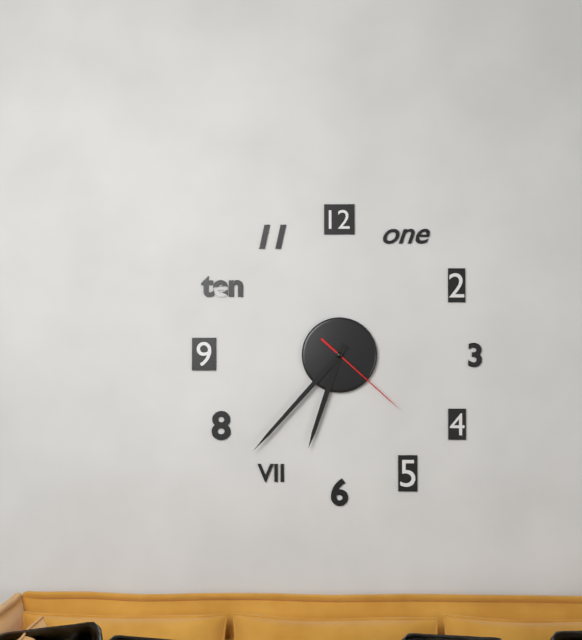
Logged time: h=6 m=37 s=22
